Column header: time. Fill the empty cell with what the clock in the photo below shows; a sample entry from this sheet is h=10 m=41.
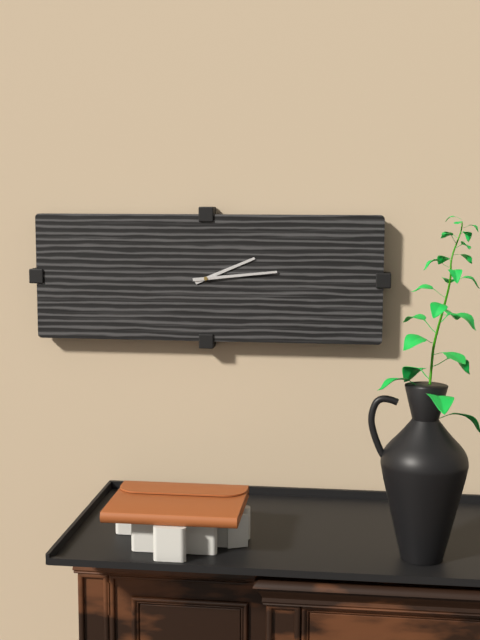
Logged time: h=2 m=14
